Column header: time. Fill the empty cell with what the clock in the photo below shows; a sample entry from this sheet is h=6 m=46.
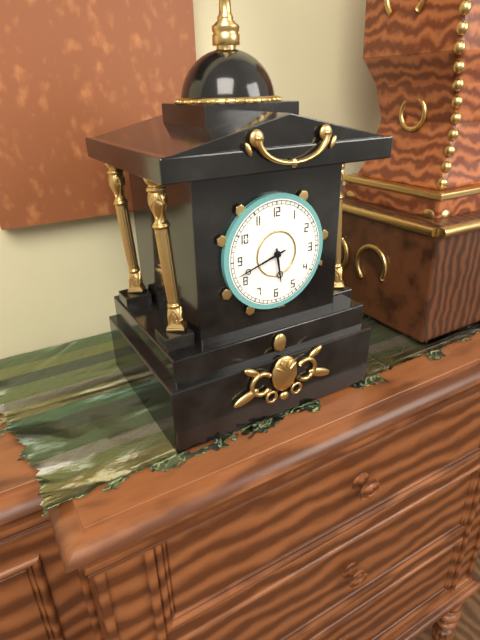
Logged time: h=5 m=42
